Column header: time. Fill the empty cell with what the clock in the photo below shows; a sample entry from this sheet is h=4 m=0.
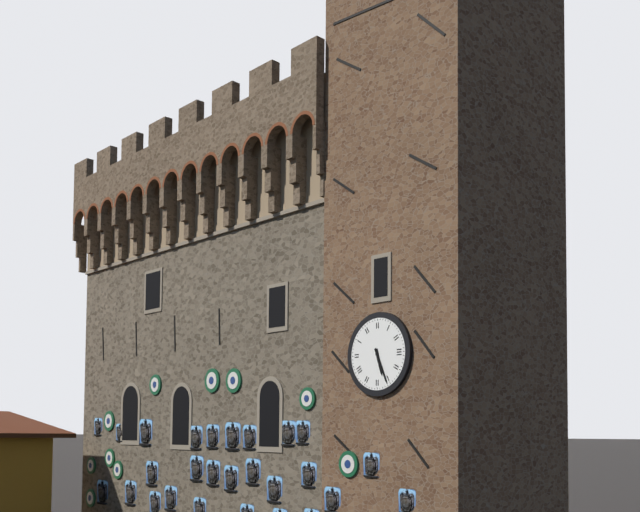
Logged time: h=5 m=26
